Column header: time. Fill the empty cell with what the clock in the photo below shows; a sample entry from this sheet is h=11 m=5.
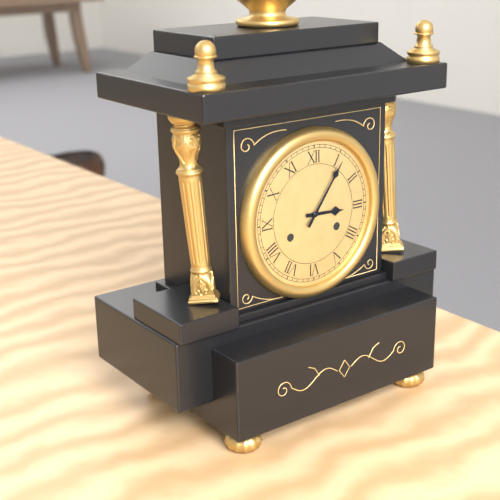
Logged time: h=3 m=6
